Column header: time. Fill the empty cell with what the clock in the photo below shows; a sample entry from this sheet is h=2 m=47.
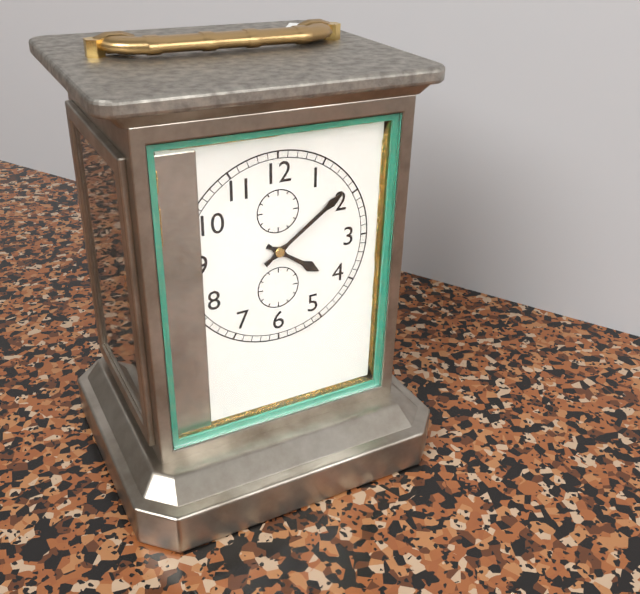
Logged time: h=4 m=9
